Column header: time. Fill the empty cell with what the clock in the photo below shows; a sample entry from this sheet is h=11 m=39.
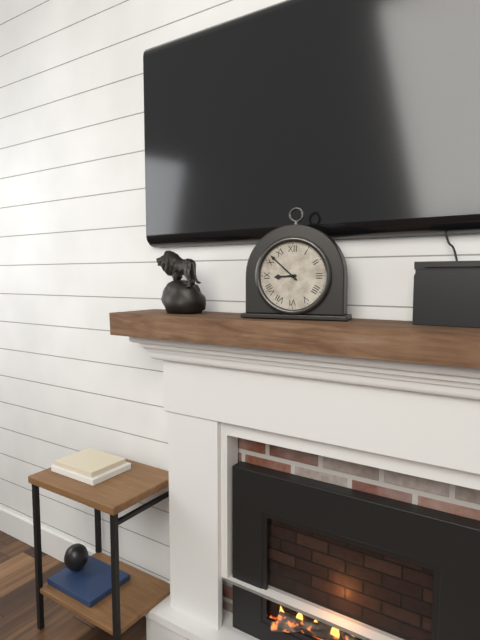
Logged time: h=8 m=52
